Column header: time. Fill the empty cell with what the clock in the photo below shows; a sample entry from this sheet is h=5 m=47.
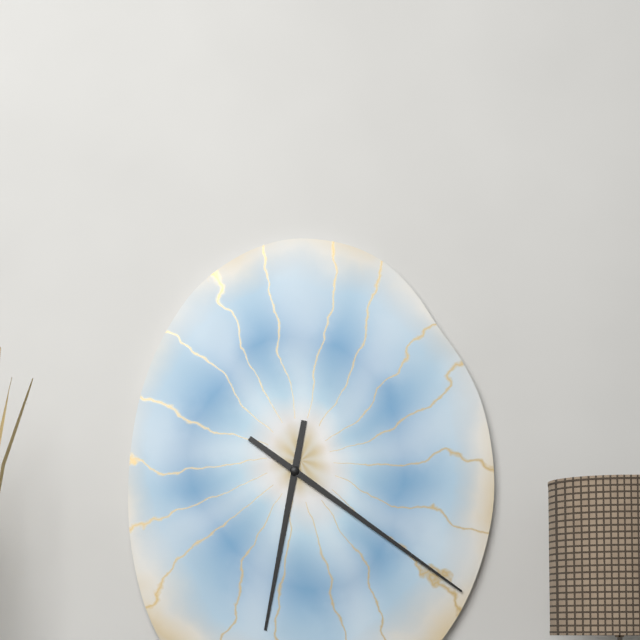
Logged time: h=6 m=21
